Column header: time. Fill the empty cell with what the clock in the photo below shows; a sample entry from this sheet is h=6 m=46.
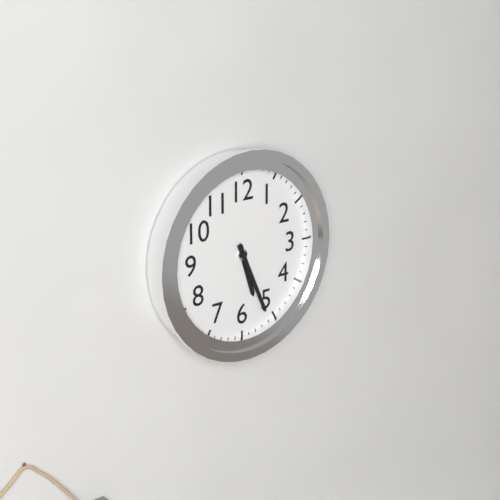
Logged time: h=5 m=26
